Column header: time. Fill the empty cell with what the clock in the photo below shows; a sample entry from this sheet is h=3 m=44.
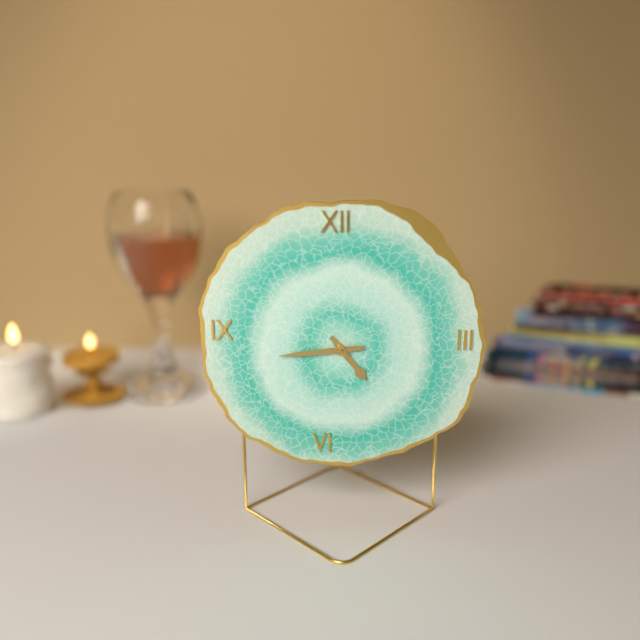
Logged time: h=4 m=44
